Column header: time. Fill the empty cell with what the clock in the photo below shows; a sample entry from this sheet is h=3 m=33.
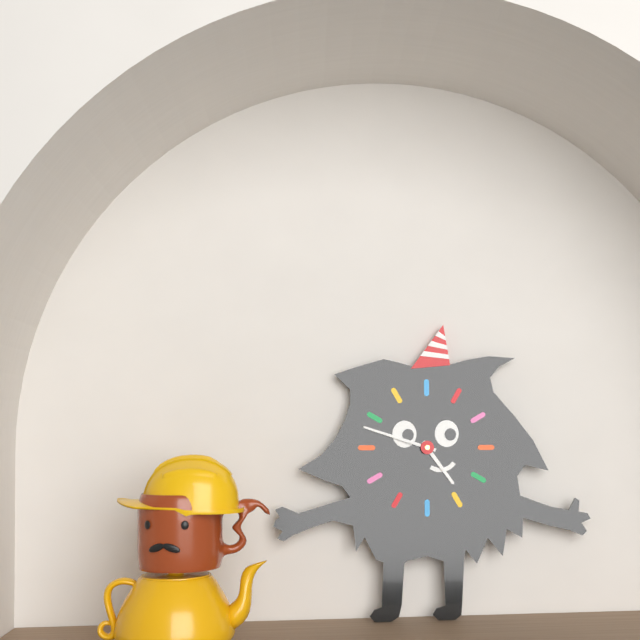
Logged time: h=4 m=48
